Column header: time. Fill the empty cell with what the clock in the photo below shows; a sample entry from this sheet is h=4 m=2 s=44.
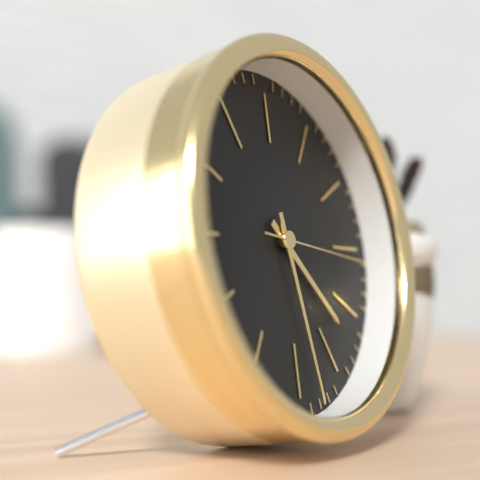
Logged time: h=4 m=28 s=16
